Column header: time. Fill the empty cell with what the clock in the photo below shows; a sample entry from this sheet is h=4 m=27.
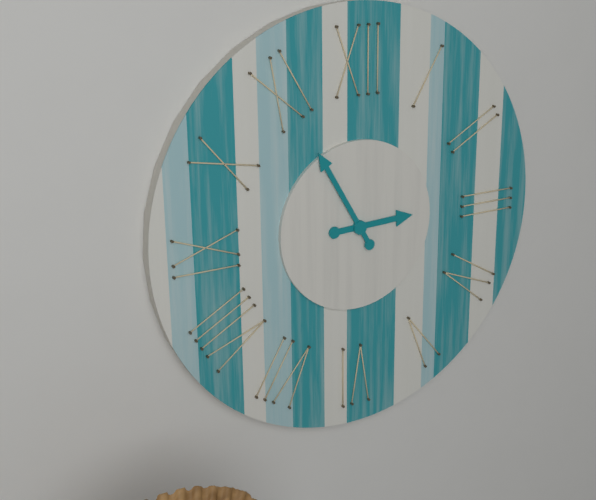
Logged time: h=2 m=55
